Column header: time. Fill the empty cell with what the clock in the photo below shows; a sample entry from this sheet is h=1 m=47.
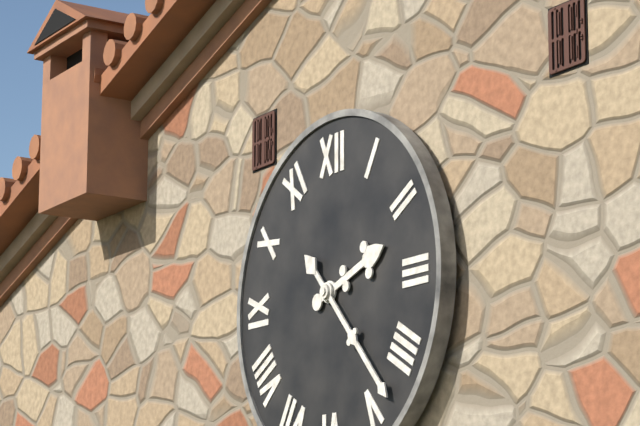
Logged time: h=2 m=23
